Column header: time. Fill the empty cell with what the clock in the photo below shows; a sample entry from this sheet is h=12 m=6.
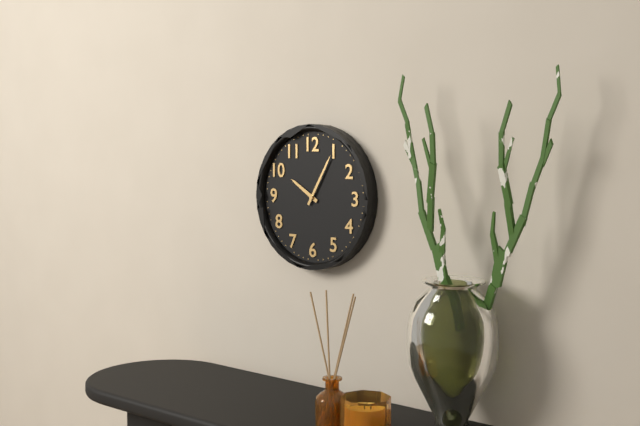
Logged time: h=10 m=5
